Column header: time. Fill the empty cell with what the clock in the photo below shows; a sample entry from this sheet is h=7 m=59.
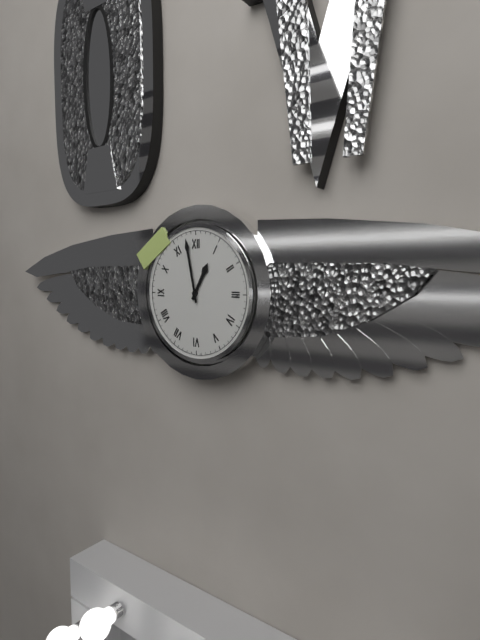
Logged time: h=12 m=58
